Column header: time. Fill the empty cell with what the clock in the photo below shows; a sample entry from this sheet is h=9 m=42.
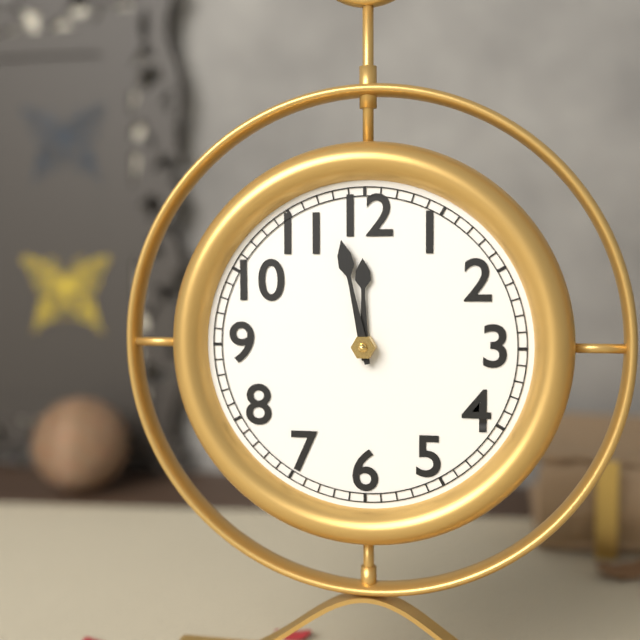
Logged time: h=11 m=58
